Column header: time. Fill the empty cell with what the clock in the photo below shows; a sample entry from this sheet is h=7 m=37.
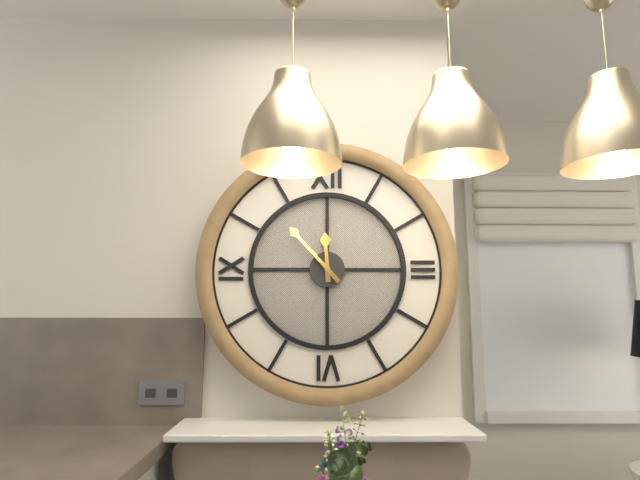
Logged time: h=11 m=53
